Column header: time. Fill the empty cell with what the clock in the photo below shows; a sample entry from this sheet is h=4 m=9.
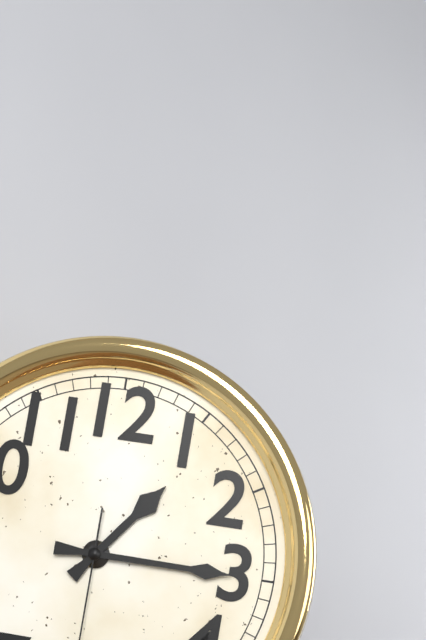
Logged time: h=1 m=15
